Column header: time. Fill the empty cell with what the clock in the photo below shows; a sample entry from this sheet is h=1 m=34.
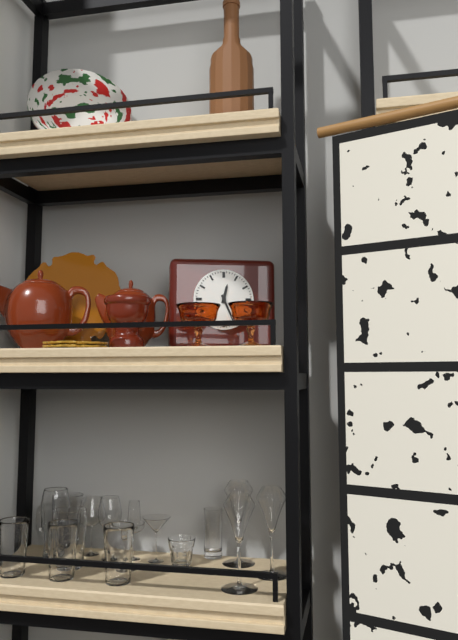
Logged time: h=12 m=26
